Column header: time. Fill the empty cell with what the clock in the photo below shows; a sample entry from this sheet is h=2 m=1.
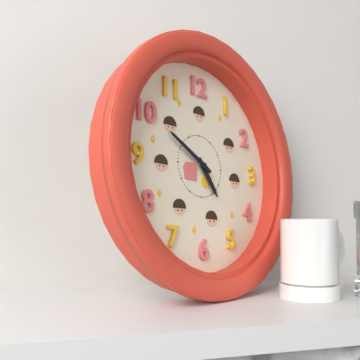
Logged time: h=4 m=50
